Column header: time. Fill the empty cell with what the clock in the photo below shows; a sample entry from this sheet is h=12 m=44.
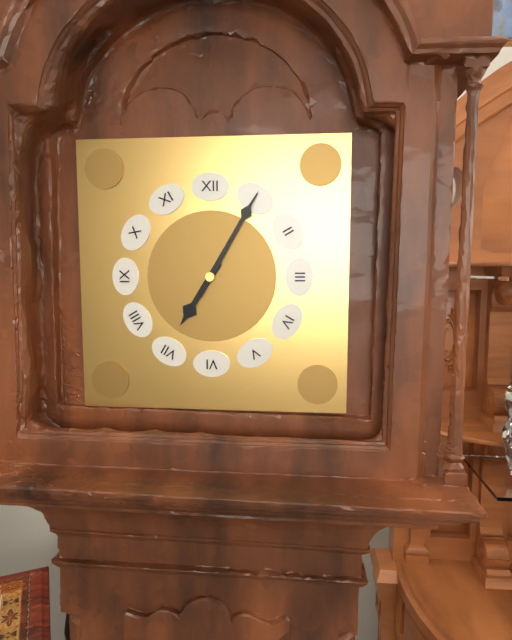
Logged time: h=7 m=5
